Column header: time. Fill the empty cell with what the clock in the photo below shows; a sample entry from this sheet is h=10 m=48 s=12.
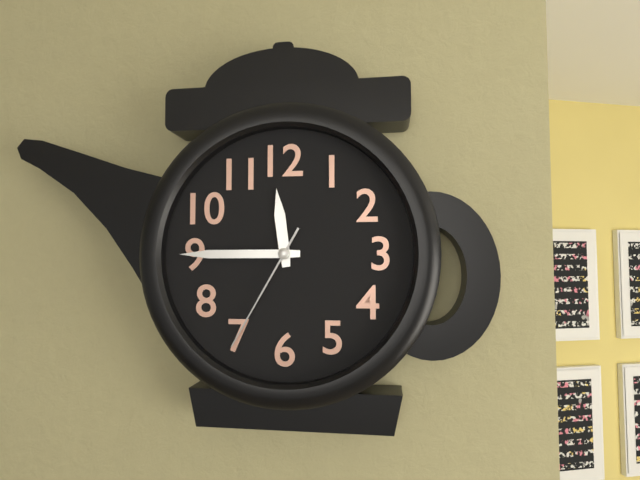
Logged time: h=11 m=45 s=35
